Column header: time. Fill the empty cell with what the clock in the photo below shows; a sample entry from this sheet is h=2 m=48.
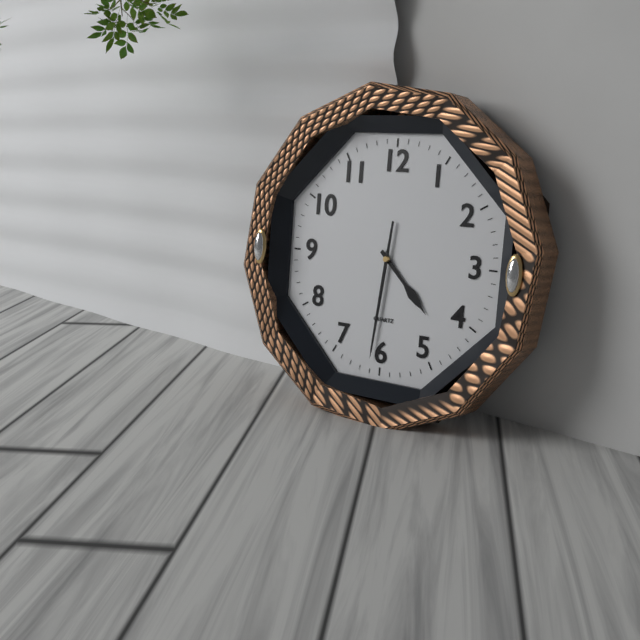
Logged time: h=4 m=31
